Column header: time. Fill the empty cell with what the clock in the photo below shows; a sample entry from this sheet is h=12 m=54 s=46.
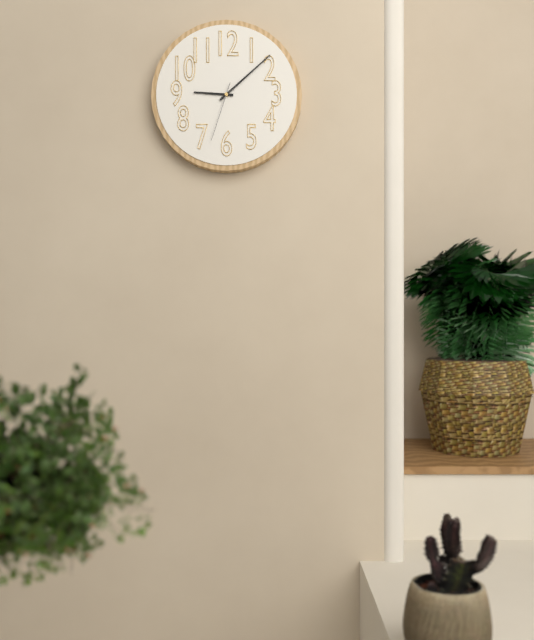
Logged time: h=9 m=8 s=33
